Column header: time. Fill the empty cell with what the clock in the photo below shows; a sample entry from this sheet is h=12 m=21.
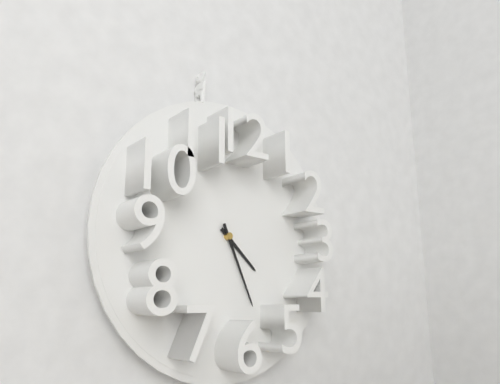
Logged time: h=4 m=26
